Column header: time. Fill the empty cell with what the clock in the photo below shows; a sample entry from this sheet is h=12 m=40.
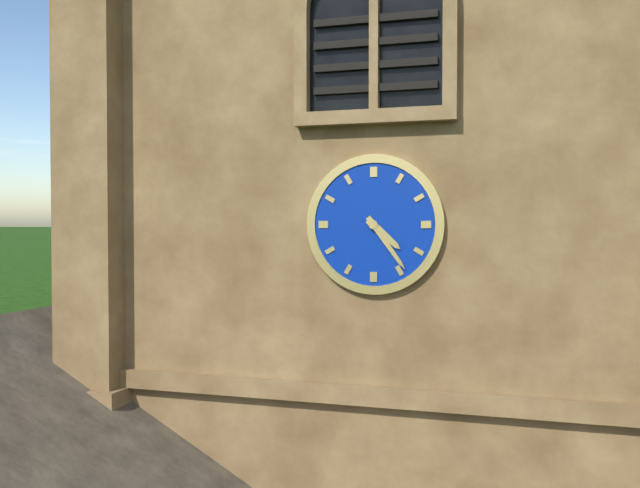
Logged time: h=4 m=24
